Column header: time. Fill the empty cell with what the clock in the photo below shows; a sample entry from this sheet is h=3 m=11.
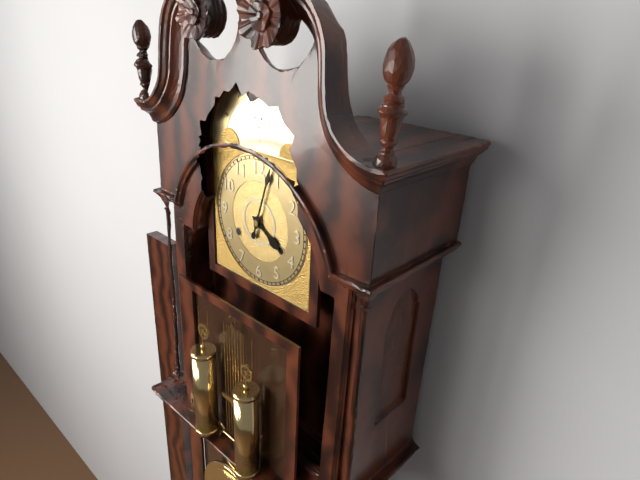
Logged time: h=4 m=3
